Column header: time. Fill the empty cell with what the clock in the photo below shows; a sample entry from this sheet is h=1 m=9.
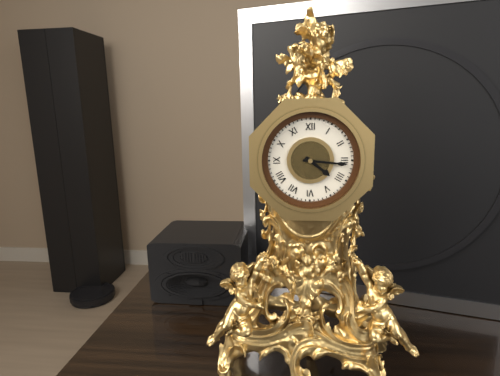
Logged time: h=4 m=16
